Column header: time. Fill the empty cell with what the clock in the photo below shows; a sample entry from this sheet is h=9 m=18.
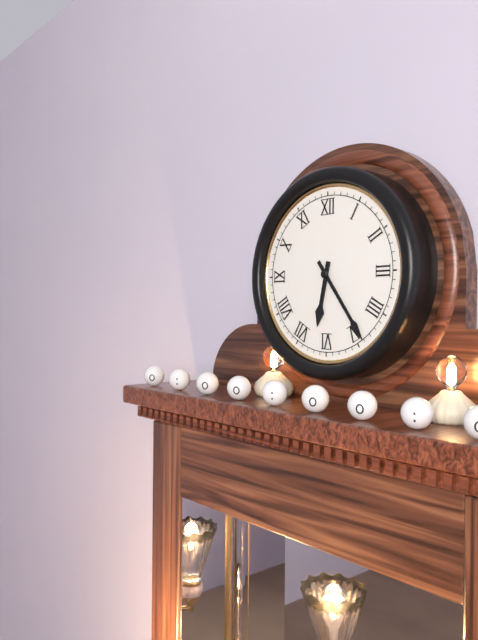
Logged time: h=6 m=24
